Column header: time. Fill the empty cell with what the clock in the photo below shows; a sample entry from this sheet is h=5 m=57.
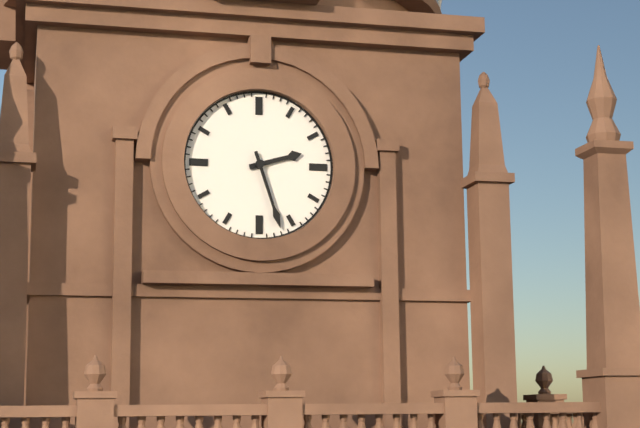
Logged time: h=2 m=27
